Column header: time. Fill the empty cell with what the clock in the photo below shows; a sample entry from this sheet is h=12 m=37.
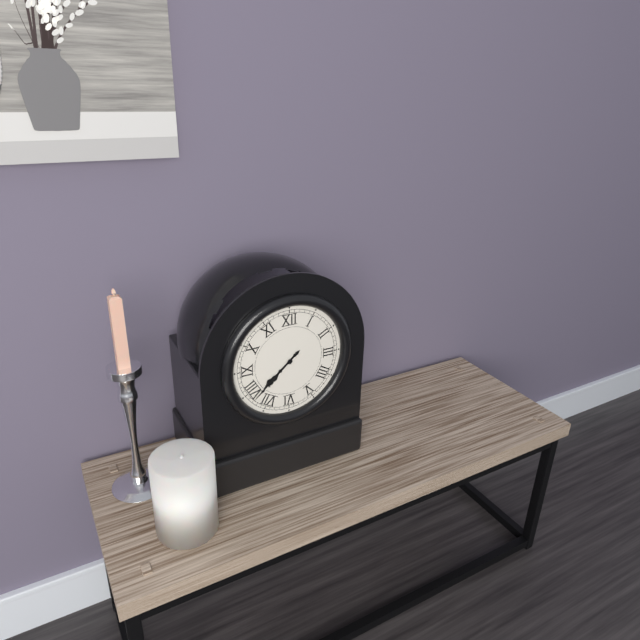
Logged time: h=7 m=38
